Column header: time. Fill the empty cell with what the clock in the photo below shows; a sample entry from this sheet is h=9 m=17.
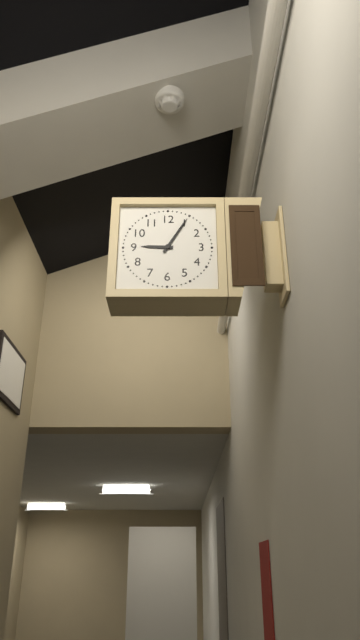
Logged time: h=9 m=5
